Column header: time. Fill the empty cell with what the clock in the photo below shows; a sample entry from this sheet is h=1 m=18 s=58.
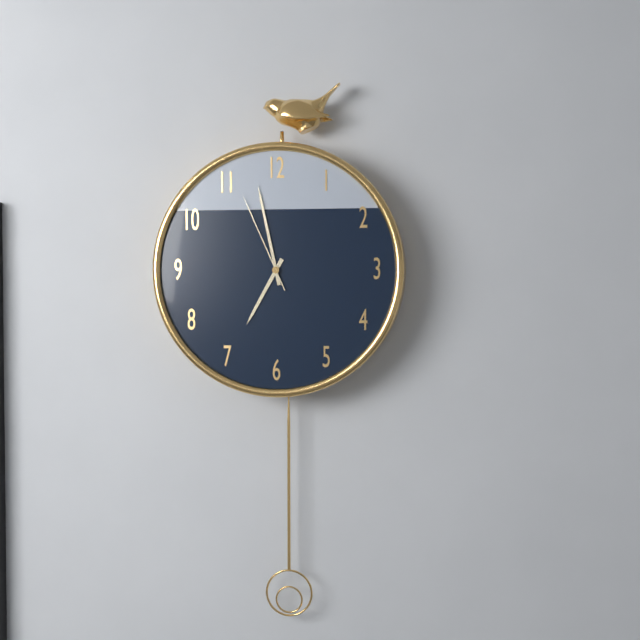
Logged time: h=6 m=58 s=56
